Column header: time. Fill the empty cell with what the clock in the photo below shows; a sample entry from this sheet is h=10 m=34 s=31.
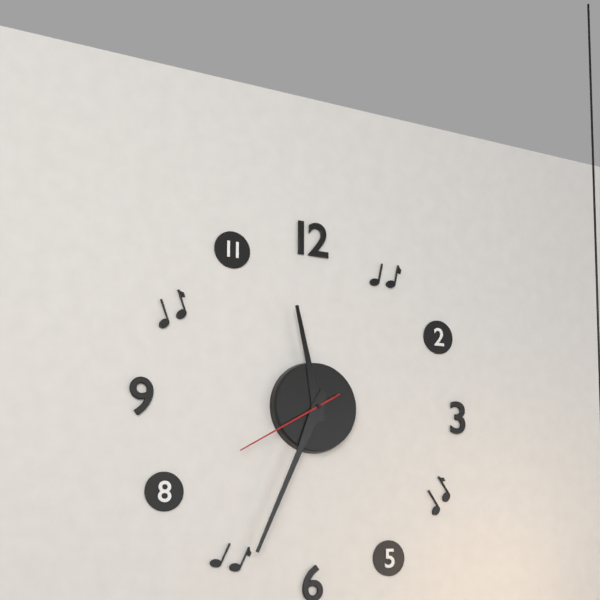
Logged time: h=11 m=34 s=40
